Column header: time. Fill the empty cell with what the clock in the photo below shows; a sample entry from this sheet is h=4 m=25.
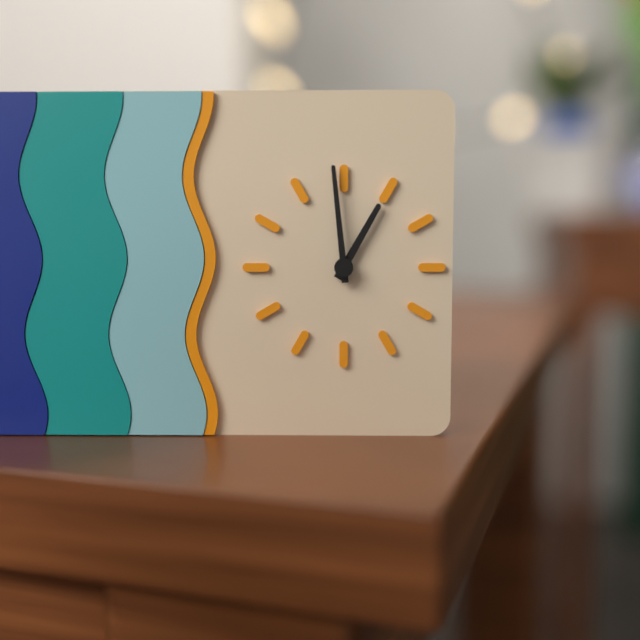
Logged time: h=12 m=59
